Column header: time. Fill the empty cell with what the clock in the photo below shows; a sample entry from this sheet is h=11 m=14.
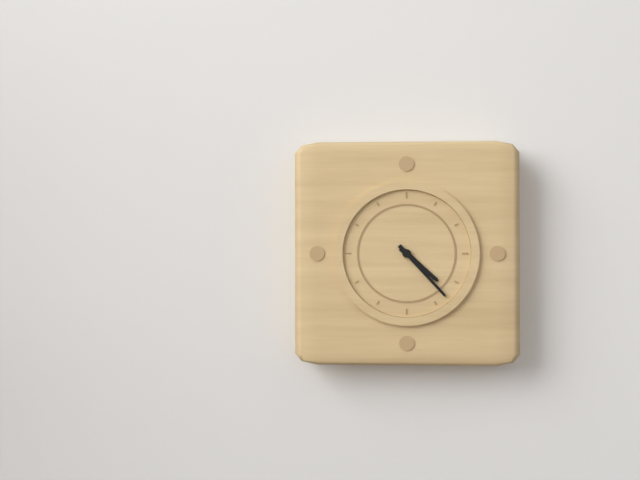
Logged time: h=4 m=23
